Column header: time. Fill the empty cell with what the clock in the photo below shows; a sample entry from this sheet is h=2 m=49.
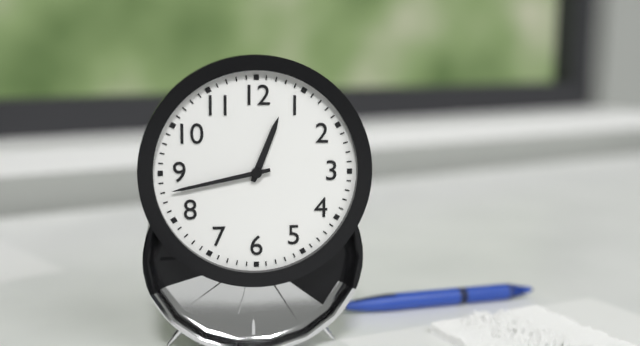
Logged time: h=12 m=43
